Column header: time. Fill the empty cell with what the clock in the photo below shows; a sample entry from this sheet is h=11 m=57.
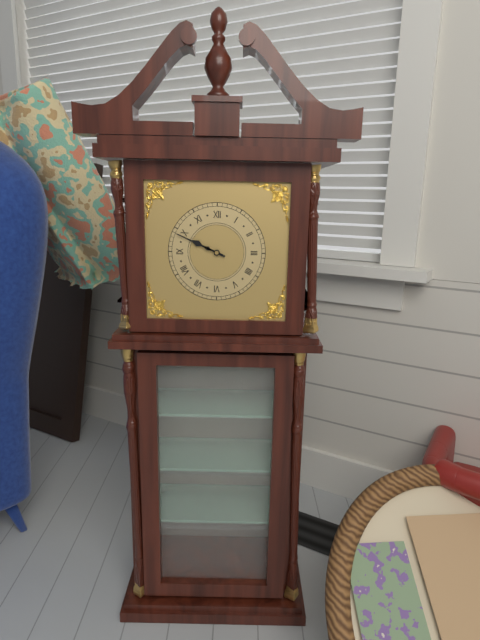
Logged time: h=9 m=49
